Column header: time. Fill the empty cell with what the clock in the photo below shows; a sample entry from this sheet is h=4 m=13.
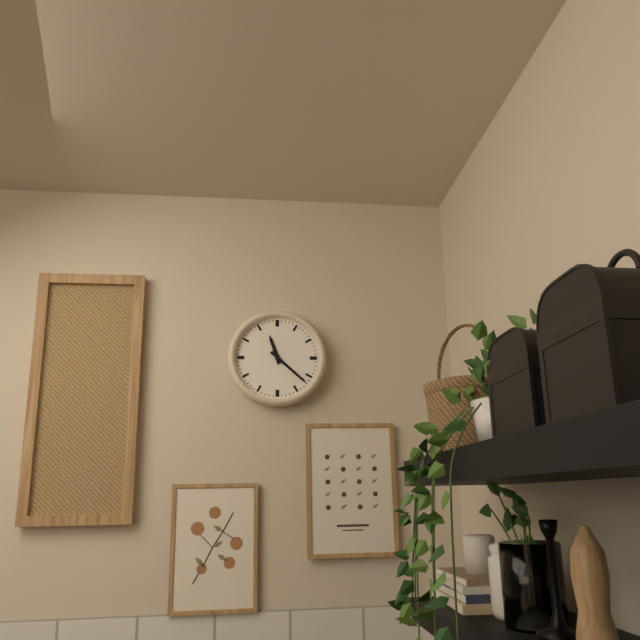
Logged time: h=11 m=22
